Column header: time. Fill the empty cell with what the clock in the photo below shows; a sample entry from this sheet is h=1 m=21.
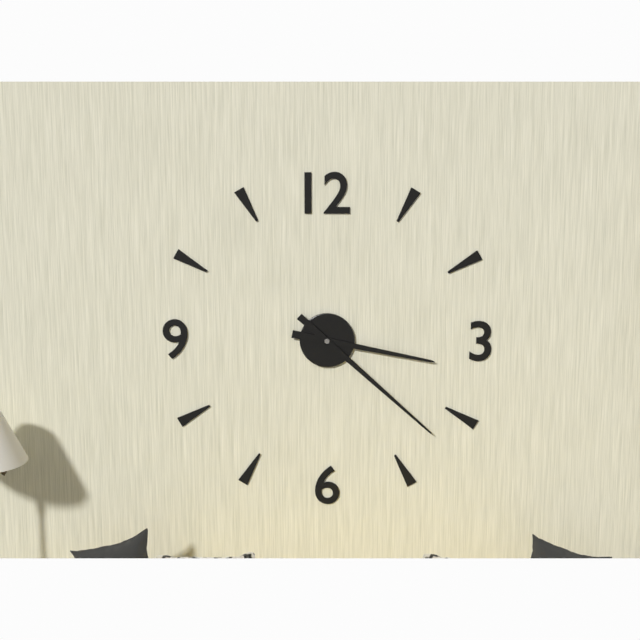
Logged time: h=3 m=22
